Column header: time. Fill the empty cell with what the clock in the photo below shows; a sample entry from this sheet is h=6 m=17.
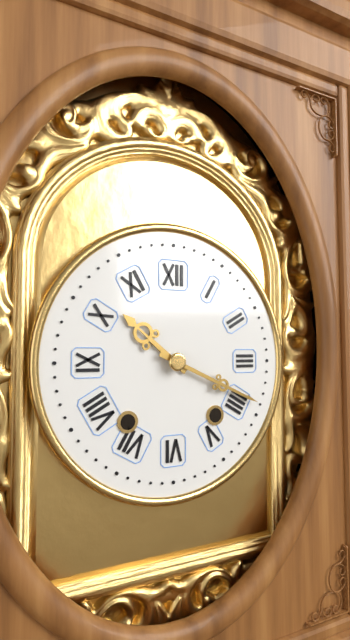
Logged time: h=10 m=19
